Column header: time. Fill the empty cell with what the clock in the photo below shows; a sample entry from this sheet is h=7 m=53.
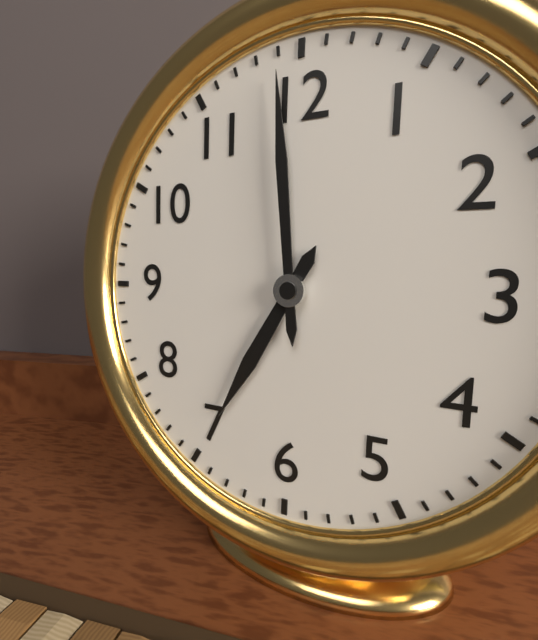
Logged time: h=6 m=59
